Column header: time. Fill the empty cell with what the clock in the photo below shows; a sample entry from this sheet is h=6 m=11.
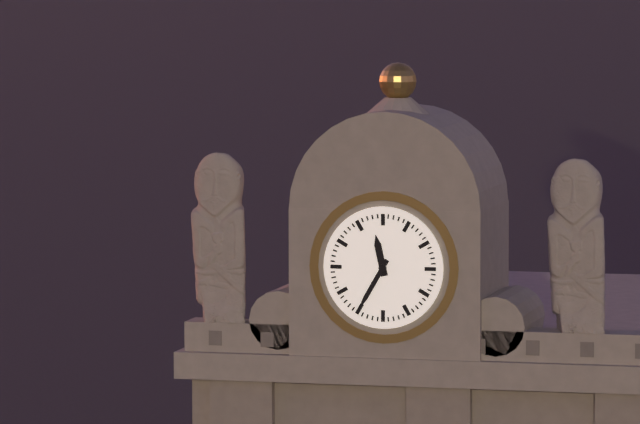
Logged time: h=11 m=35
